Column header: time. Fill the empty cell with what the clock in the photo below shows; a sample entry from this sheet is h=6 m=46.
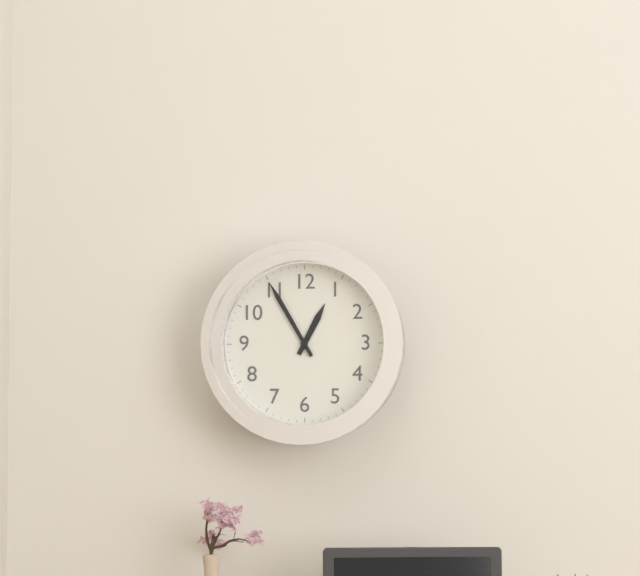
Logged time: h=12 m=55
